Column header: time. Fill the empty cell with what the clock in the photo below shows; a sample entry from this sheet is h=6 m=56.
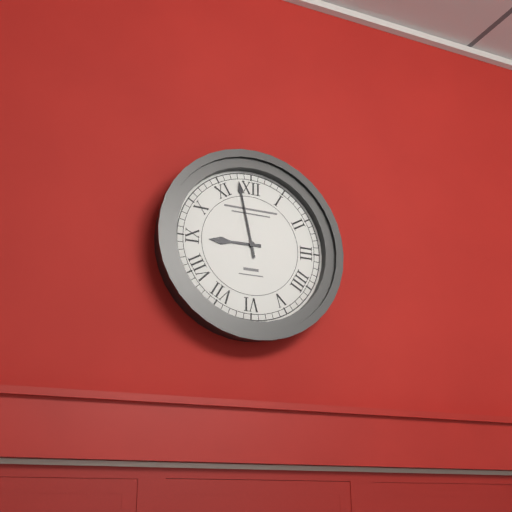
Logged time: h=8 m=58
